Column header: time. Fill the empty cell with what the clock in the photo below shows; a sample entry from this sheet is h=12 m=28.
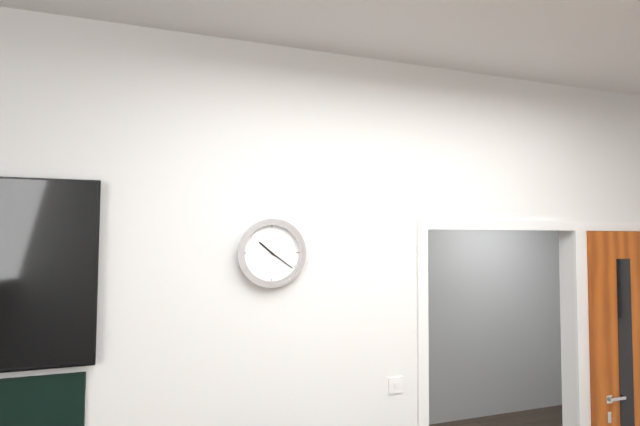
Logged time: h=10 m=21
